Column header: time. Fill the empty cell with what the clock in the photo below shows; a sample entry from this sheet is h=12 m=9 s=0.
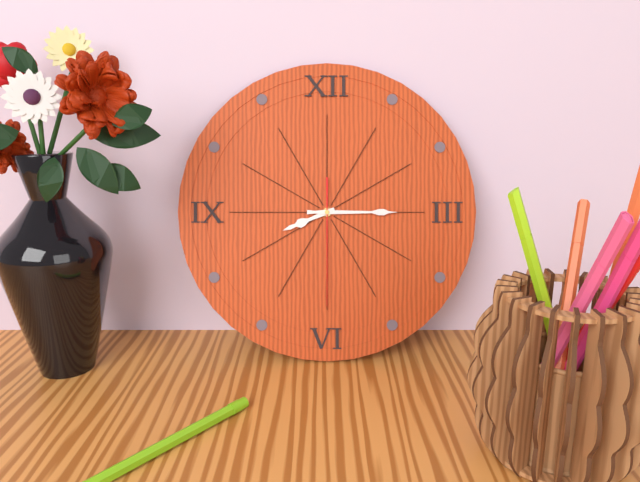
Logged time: h=8 m=15 s=30
